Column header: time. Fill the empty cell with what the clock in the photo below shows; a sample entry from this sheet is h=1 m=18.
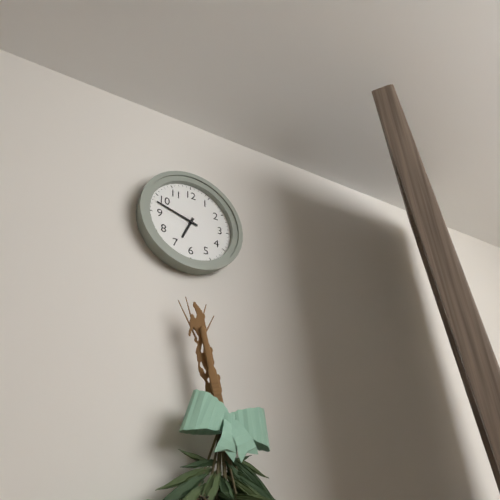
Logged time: h=6 m=48
